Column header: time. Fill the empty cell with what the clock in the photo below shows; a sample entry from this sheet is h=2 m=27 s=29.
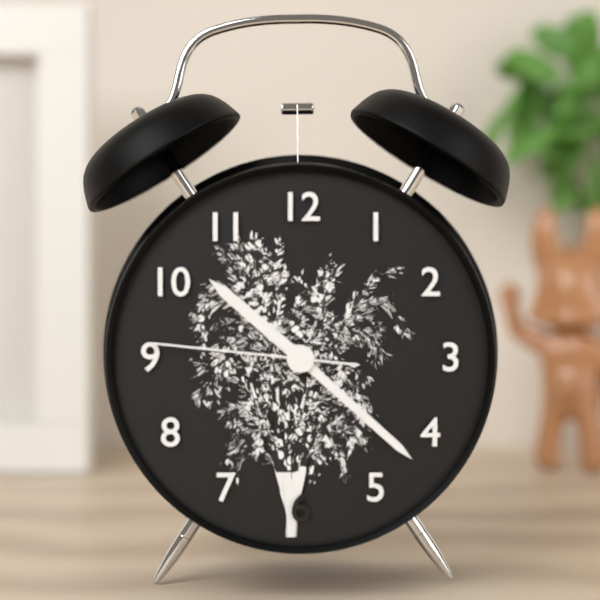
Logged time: h=10 m=22 s=46
